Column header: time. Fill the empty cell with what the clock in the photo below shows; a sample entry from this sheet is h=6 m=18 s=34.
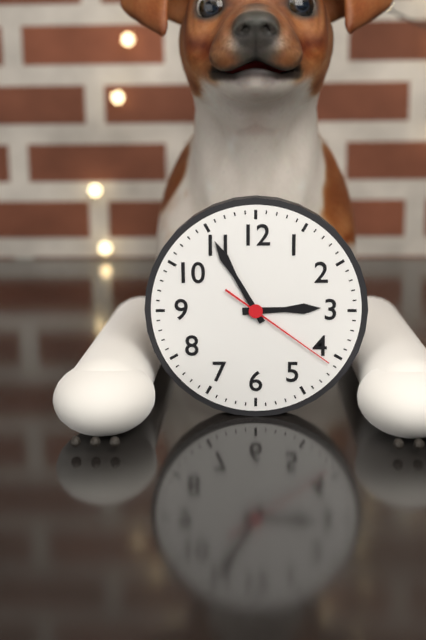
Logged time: h=2 m=55 s=21
